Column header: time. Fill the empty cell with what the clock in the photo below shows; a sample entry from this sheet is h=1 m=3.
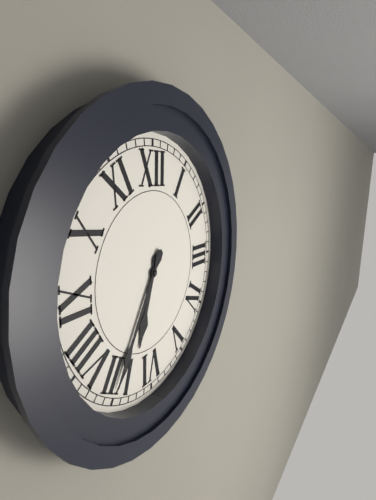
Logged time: h=6 m=35
